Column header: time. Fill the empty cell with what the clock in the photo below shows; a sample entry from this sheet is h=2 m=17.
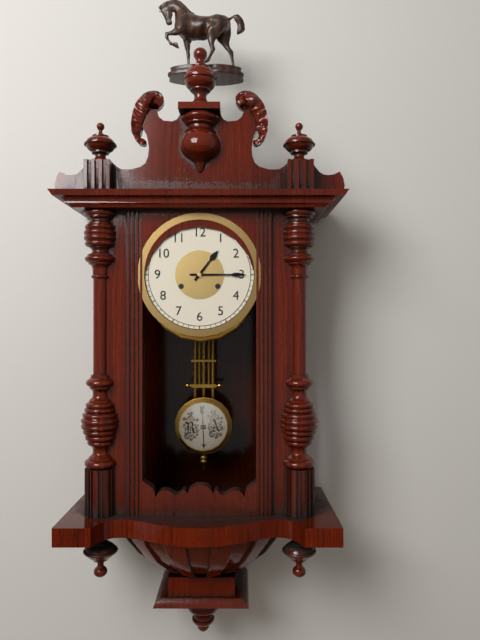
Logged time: h=1 m=15
